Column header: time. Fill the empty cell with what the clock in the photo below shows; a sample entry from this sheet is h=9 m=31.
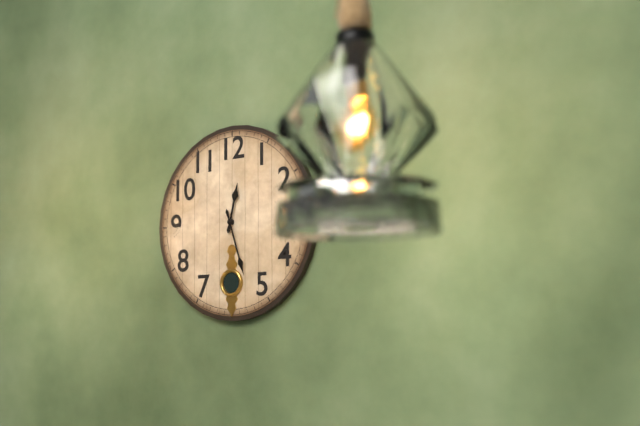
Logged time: h=12 m=27
